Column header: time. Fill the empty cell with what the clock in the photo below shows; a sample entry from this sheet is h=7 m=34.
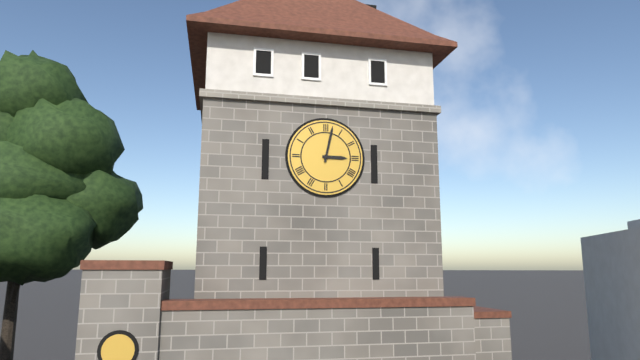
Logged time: h=3 m=2
